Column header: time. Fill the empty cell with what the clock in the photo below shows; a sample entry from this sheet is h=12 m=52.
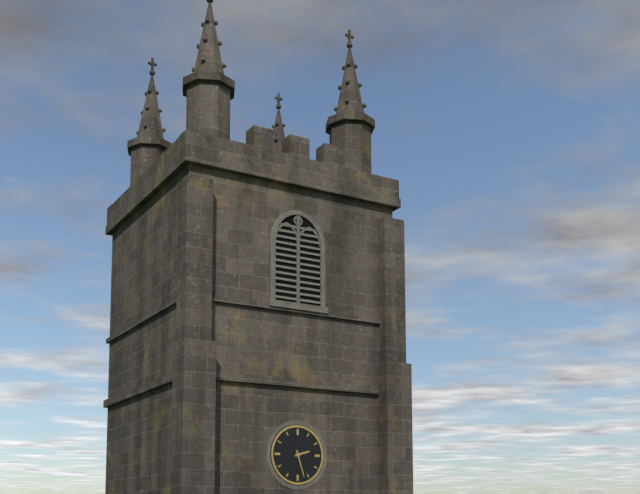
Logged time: h=2 m=27
